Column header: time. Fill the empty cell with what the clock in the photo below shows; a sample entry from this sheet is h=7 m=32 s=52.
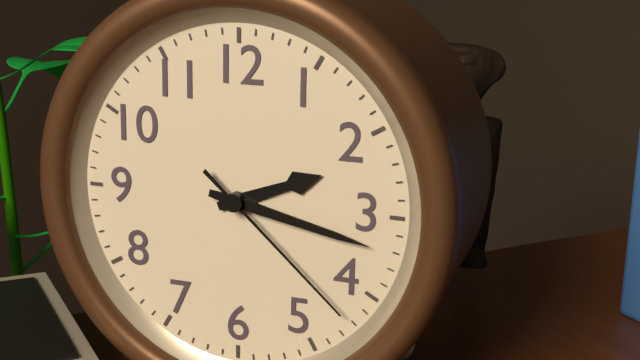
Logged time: h=2 m=17 s=22
